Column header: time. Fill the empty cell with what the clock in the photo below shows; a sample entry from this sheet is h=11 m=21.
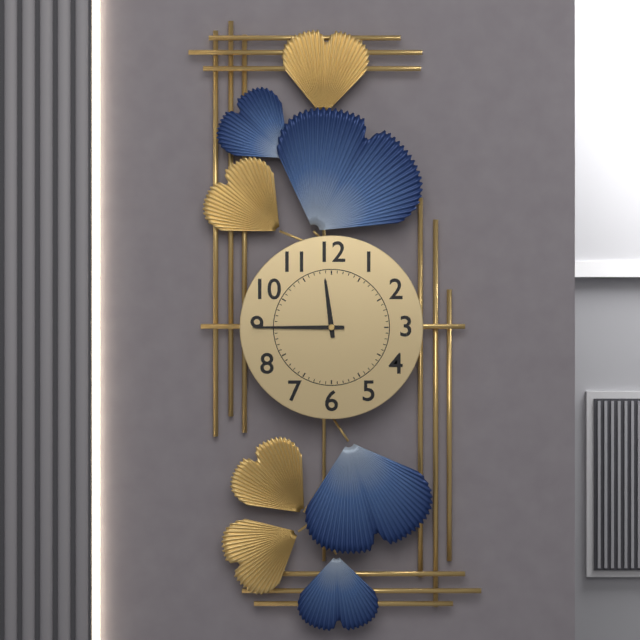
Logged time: h=11 m=45
